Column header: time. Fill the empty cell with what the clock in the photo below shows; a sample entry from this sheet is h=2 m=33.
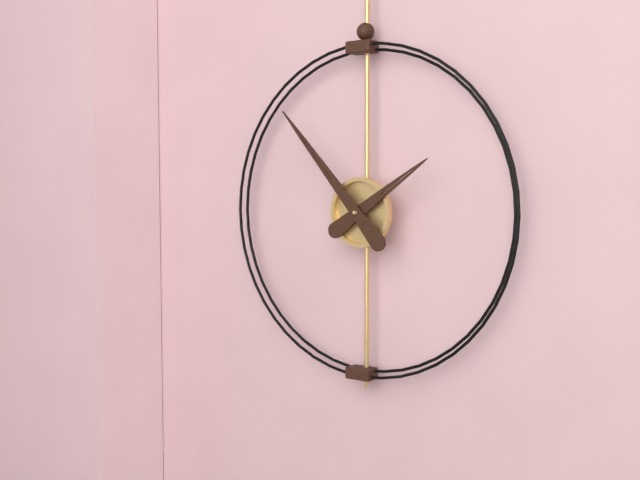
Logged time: h=1 m=53
